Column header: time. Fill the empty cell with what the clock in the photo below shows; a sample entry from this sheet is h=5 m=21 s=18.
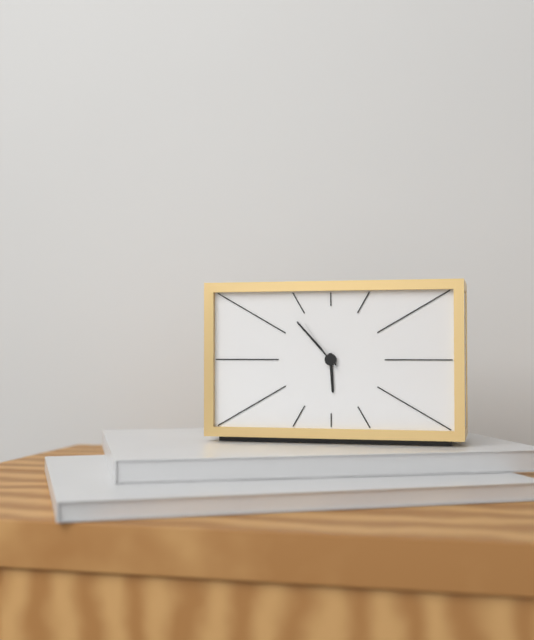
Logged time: h=5 m=53 s=54
